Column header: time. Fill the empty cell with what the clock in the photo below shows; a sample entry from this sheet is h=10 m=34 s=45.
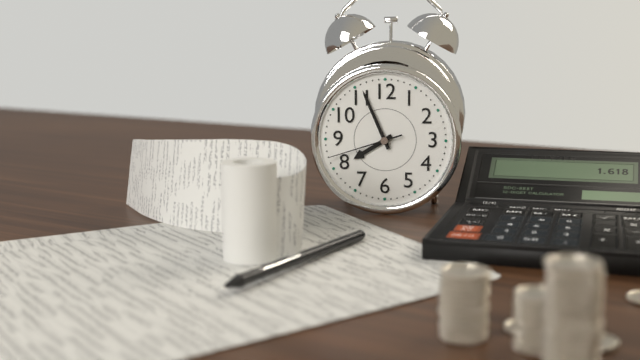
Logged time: h=7 m=56 s=42
